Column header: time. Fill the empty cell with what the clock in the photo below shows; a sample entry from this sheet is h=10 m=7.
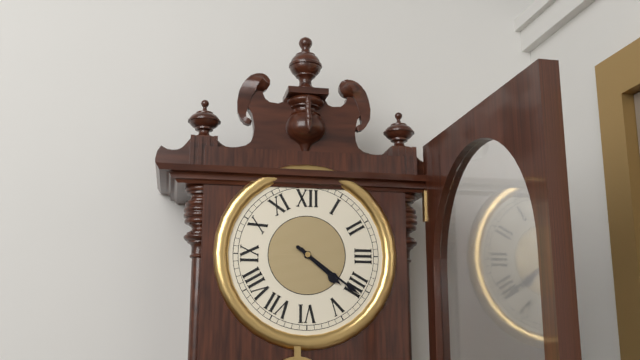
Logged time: h=4 m=21
